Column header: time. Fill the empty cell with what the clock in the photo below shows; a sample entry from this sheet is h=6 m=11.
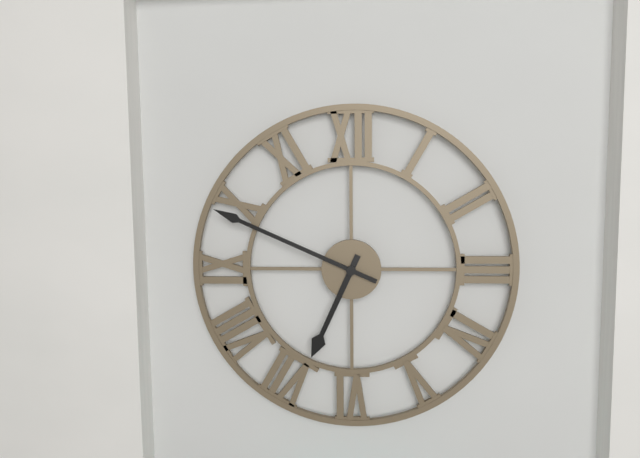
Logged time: h=6 m=49
